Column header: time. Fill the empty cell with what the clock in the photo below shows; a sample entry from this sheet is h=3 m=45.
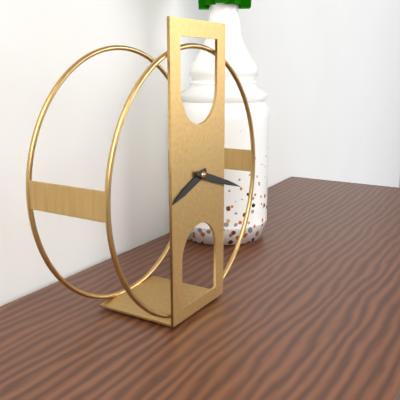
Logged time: h=8 m=18
